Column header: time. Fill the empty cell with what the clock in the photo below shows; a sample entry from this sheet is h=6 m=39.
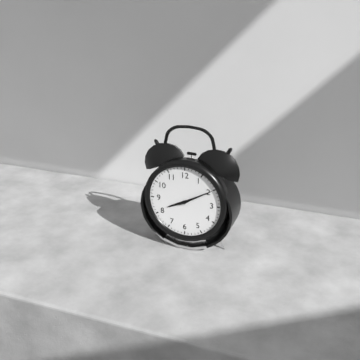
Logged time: h=8 m=10
